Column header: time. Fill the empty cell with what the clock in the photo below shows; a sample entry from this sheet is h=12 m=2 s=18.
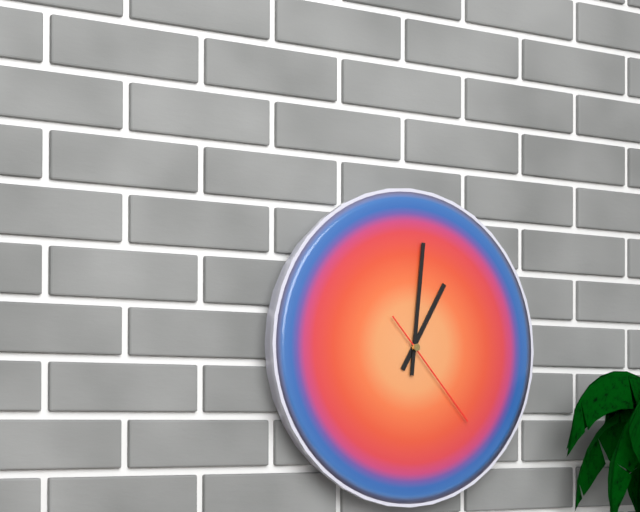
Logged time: h=1 m=1 s=23
